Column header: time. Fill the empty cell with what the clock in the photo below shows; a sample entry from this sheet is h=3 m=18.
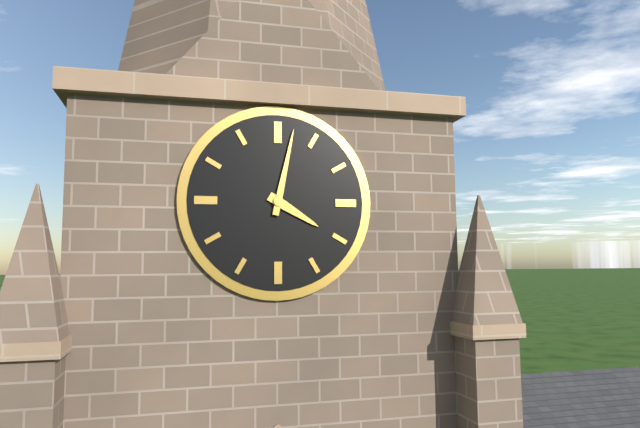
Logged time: h=4 m=2
